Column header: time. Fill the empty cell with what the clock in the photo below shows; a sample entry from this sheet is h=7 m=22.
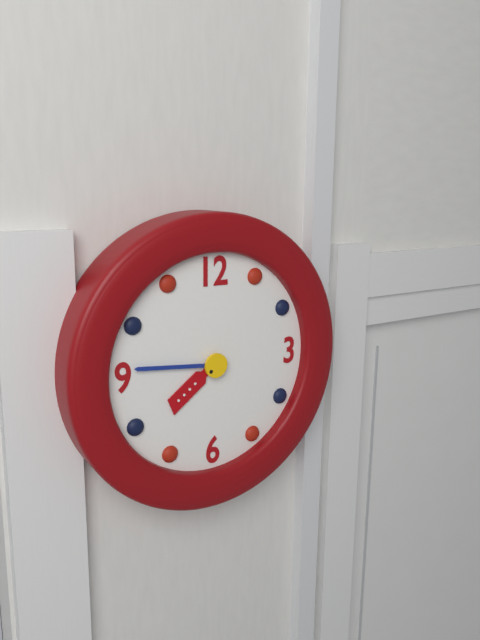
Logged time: h=7 m=46
